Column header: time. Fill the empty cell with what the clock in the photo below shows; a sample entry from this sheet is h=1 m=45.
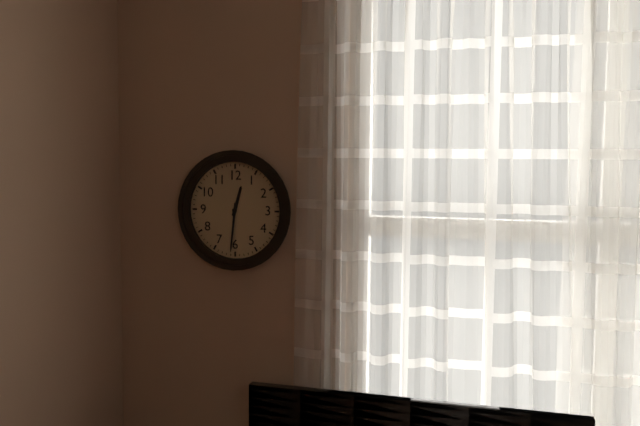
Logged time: h=12 m=31
